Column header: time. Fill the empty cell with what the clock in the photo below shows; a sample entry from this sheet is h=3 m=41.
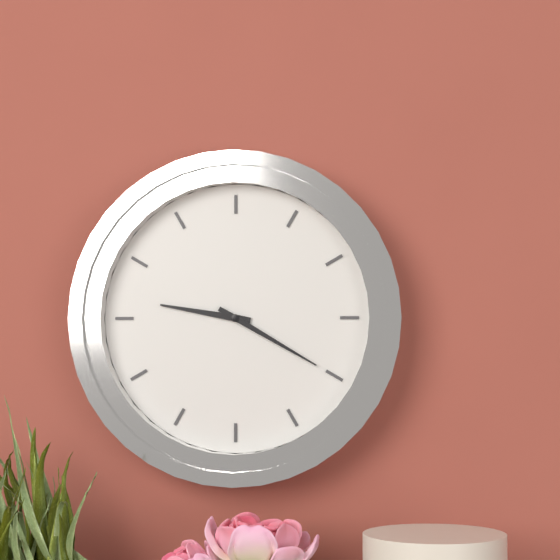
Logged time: h=9 m=20
